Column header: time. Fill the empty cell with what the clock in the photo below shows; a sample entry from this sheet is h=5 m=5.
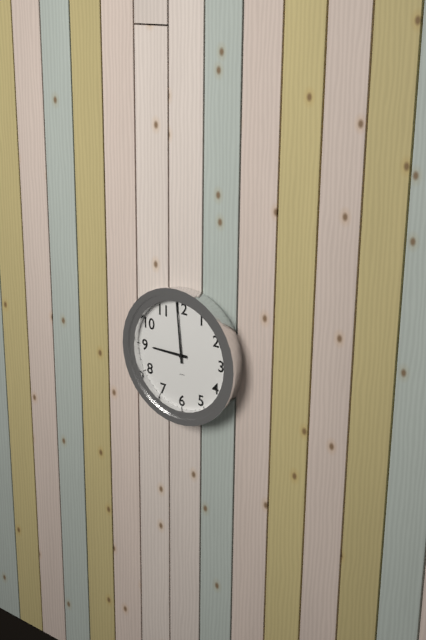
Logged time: h=8 m=59
